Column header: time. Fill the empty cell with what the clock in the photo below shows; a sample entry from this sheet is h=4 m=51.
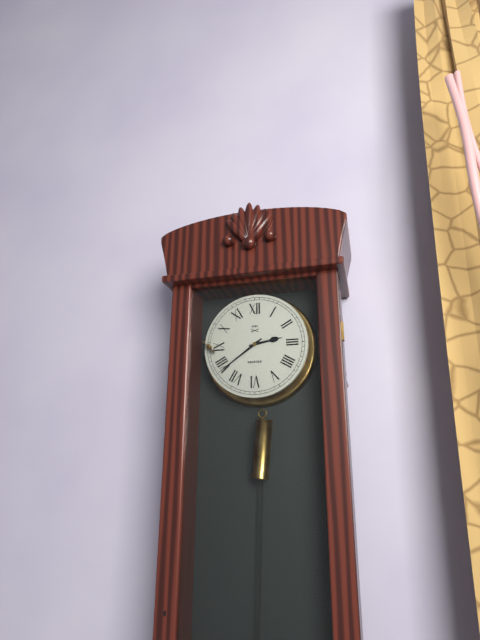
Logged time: h=2 m=39
